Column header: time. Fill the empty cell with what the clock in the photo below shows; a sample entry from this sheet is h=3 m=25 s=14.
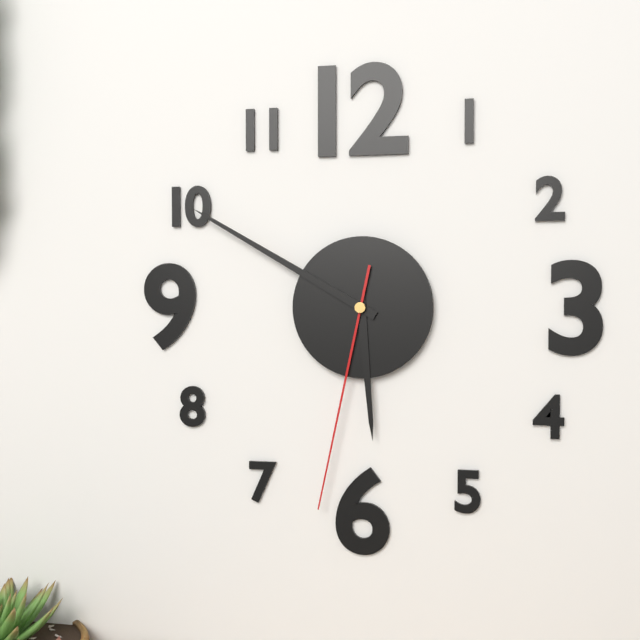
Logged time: h=5 m=50 s=32
